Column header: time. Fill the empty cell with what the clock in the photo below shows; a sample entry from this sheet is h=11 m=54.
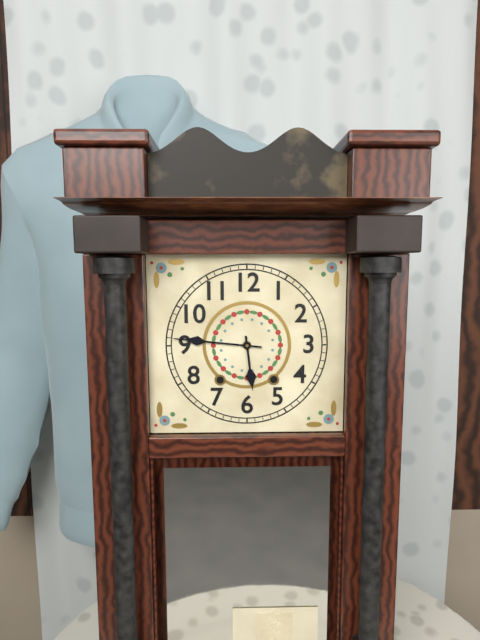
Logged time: h=5 m=46
